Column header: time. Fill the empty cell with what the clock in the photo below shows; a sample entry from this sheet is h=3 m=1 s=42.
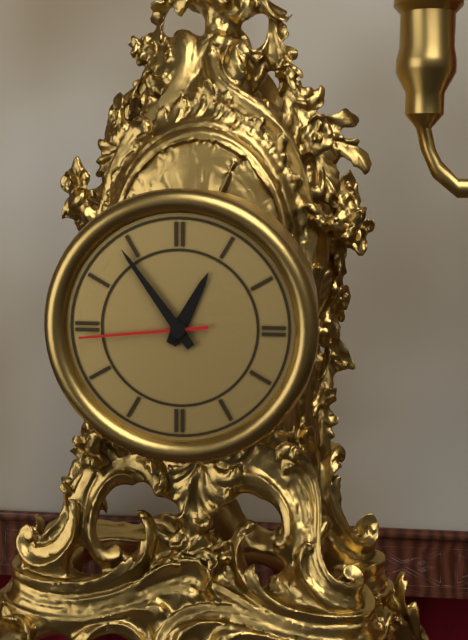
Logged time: h=12 m=54 s=44
